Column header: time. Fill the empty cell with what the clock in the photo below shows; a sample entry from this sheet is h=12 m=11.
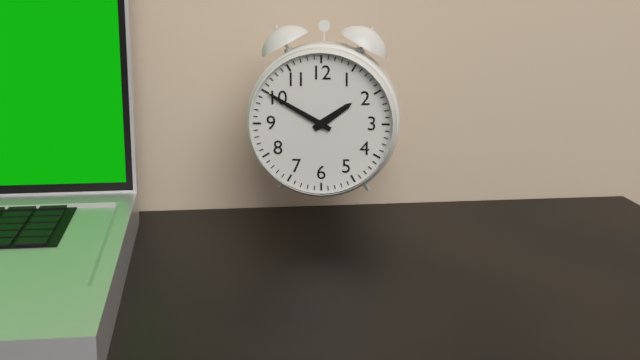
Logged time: h=1 m=50
